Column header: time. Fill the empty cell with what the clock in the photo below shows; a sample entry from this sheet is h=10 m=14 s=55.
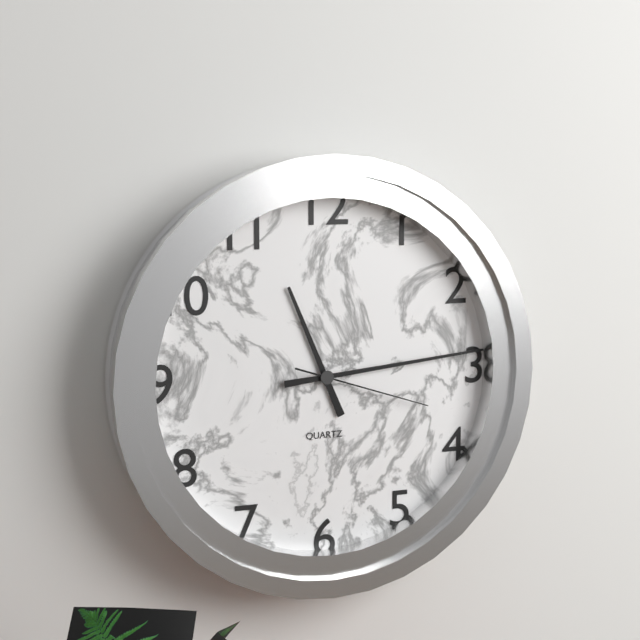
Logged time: h=11 m=14 s=18
